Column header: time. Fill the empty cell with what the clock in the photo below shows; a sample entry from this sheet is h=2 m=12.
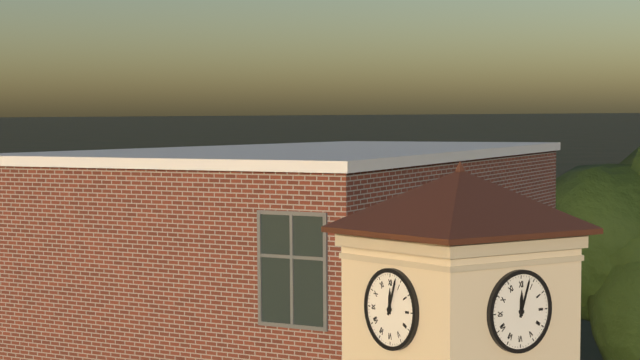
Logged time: h=12 m=3
